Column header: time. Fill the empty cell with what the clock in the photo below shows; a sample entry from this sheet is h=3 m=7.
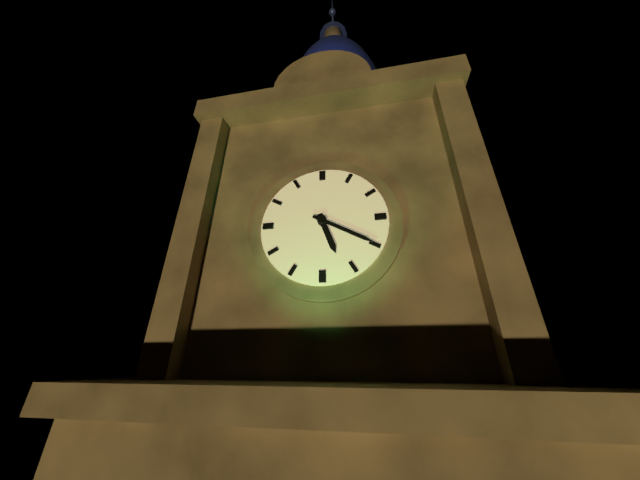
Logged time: h=5 m=20
